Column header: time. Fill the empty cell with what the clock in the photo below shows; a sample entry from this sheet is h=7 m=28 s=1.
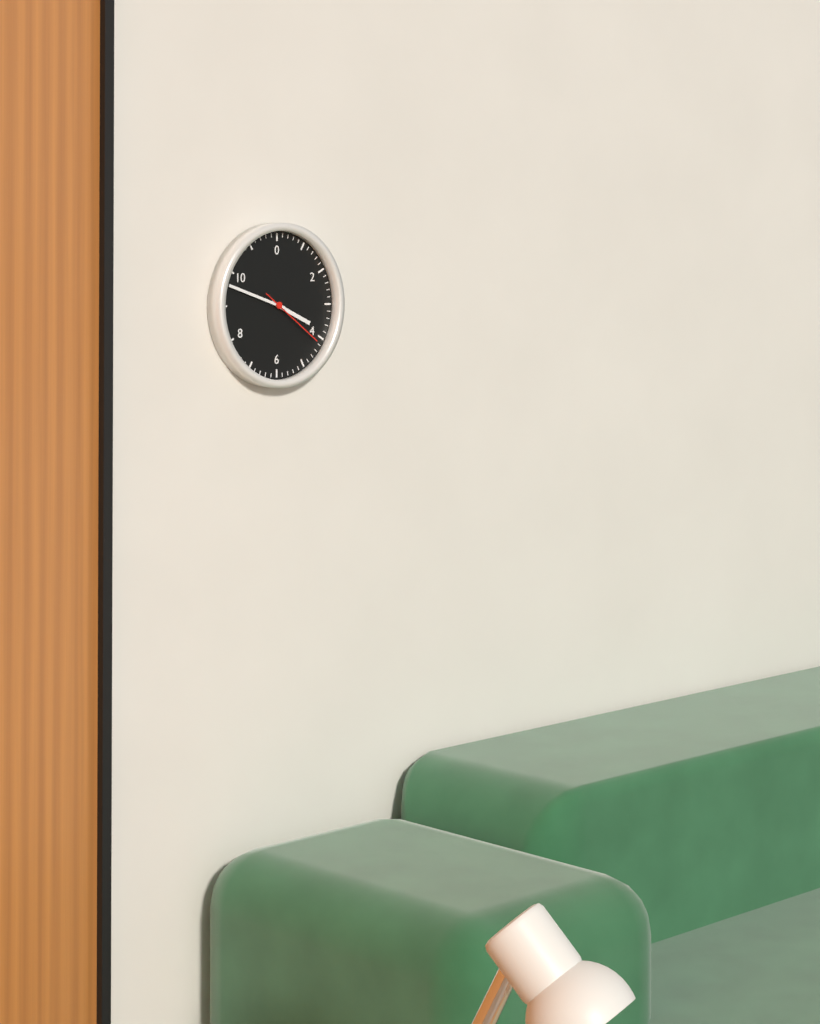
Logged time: h=3 m=48 s=21
